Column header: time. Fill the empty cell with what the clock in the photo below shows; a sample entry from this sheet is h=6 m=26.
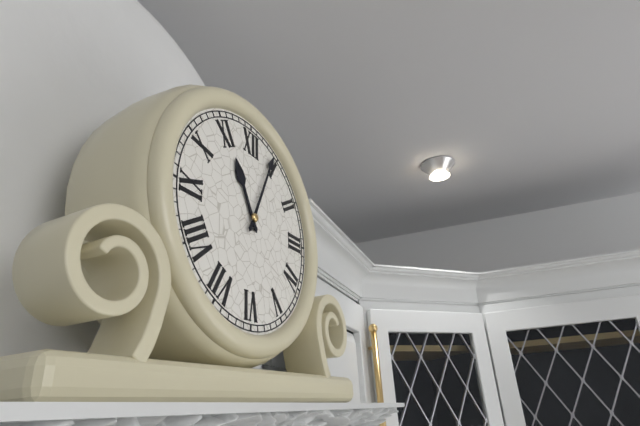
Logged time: h=11 m=4
